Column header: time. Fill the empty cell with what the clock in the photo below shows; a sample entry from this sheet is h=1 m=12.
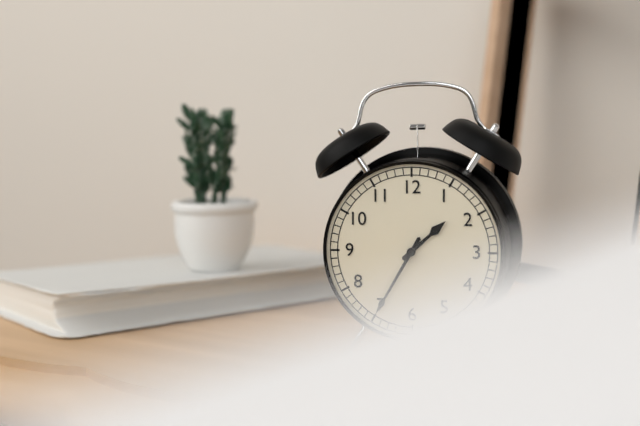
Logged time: h=1 m=35
